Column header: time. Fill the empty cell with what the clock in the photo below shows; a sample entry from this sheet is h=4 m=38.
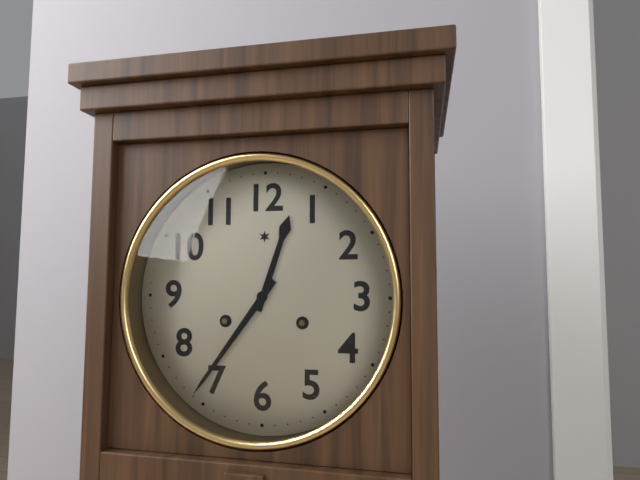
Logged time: h=12 m=36
